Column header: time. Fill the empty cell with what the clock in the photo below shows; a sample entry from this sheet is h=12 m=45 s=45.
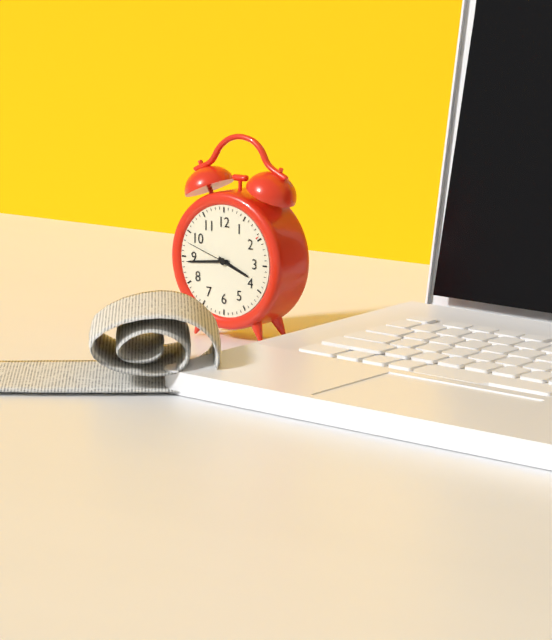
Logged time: h=3 m=44 s=48
